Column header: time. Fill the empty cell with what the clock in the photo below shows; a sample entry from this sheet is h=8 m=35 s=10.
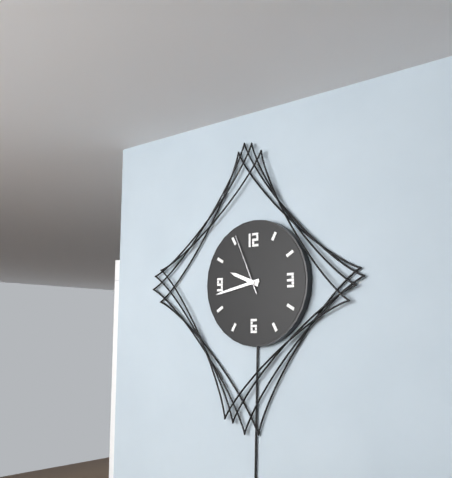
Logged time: h=9 m=43 s=56
